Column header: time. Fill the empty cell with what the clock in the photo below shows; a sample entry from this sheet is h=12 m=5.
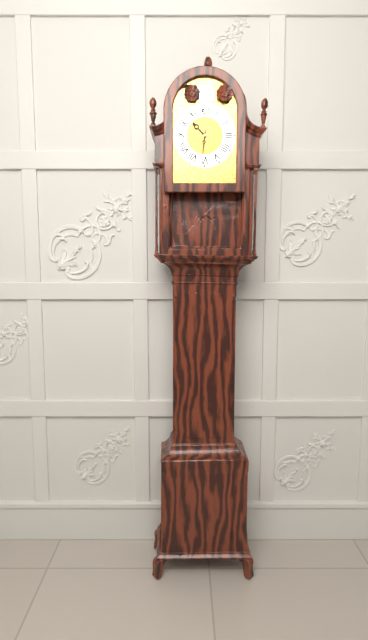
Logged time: h=10 m=31
